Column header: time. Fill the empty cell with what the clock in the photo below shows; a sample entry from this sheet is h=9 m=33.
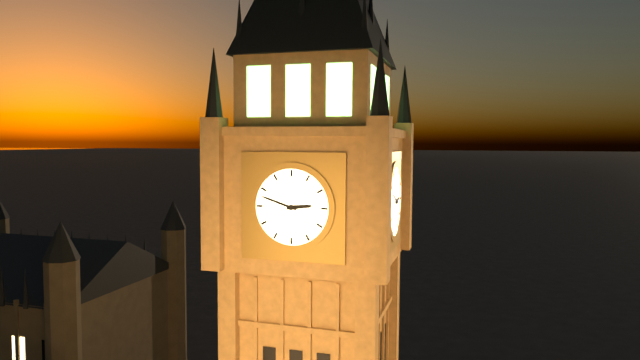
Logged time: h=2 m=48
